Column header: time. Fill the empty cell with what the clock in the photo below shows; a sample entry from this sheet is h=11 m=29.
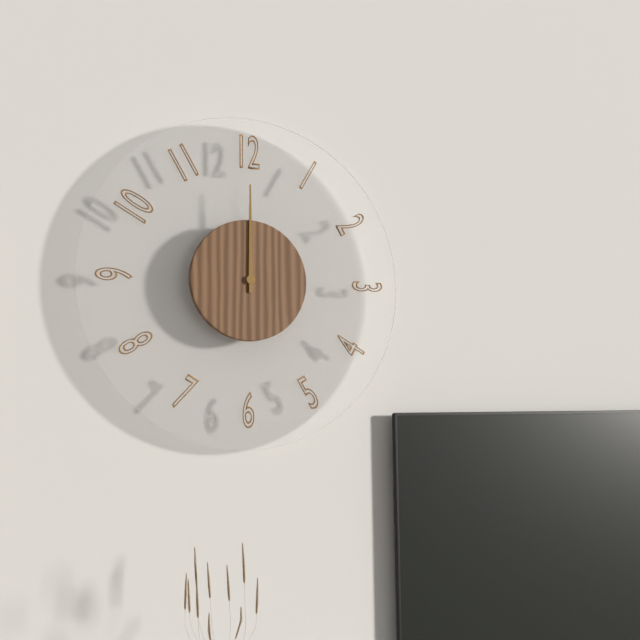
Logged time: h=12 m=0
